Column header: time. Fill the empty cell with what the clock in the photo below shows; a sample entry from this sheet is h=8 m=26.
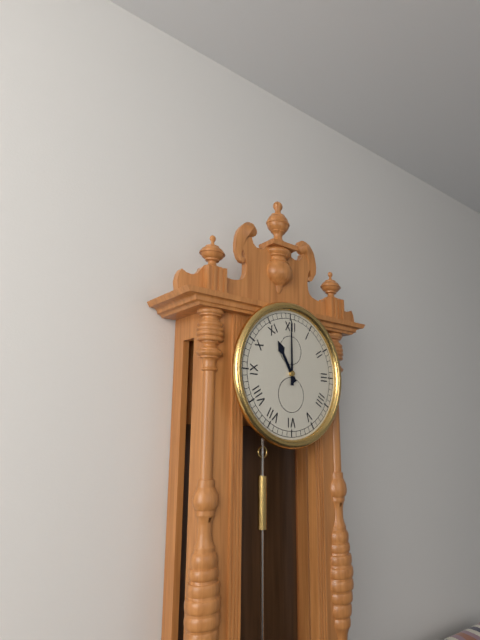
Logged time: h=11 m=0
